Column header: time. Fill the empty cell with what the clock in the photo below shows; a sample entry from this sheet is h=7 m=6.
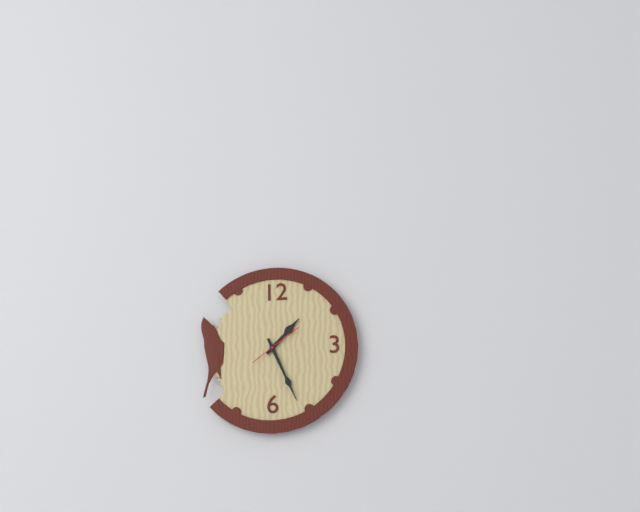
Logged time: h=1 m=26
